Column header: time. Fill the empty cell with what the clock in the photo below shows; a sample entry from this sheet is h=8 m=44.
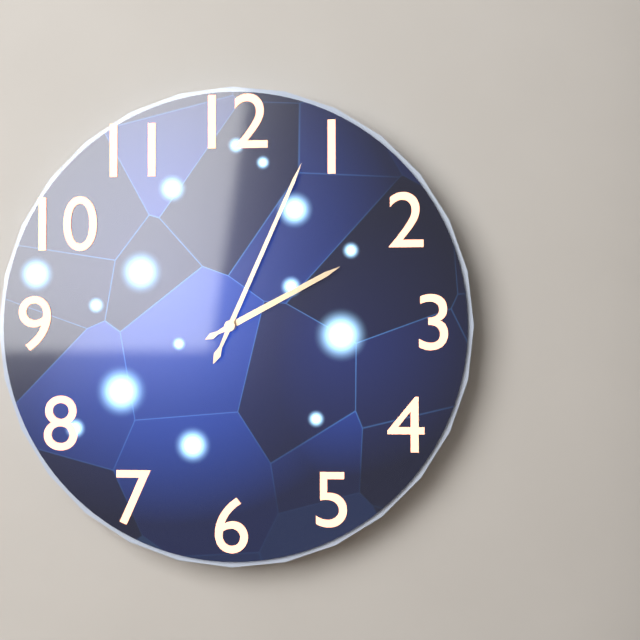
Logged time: h=2 m=4
